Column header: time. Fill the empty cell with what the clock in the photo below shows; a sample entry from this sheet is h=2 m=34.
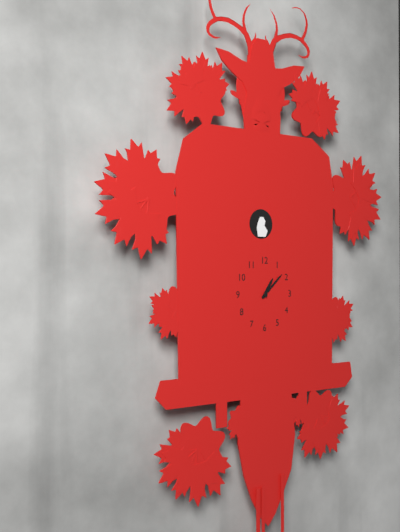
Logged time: h=1 m=8
